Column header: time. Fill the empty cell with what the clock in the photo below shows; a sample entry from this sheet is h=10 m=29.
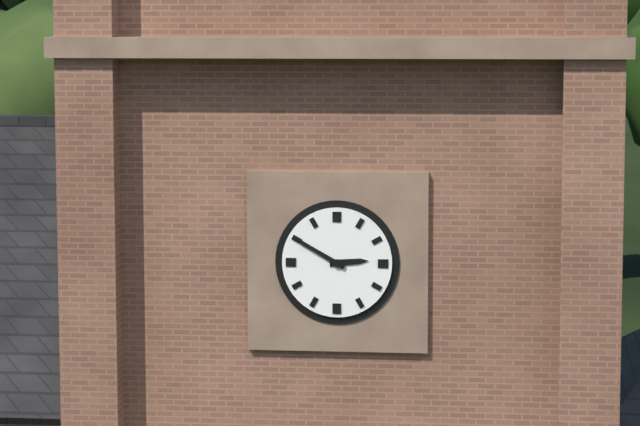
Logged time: h=2 m=50
